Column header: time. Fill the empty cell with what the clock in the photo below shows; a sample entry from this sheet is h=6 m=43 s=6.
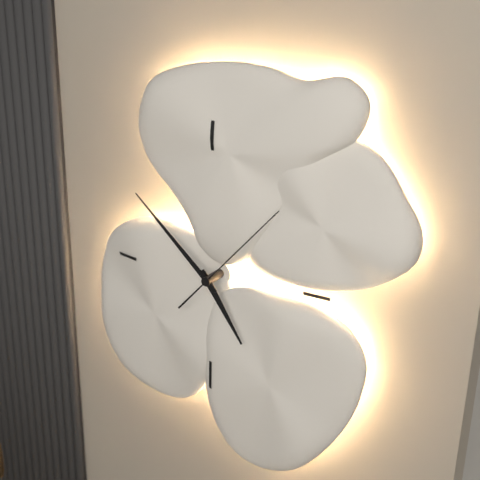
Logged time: h=4 m=52 s=7
